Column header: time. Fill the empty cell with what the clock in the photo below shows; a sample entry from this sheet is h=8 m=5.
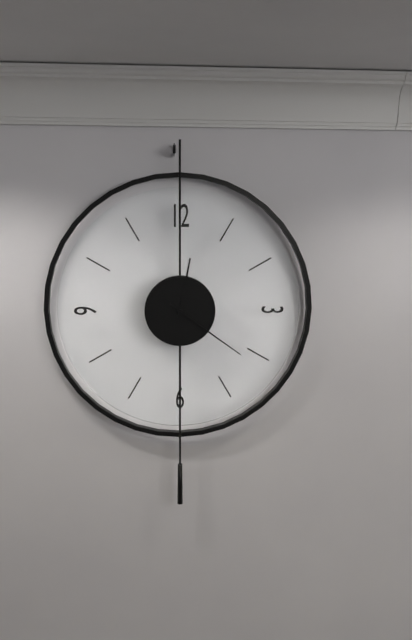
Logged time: h=12 m=21
